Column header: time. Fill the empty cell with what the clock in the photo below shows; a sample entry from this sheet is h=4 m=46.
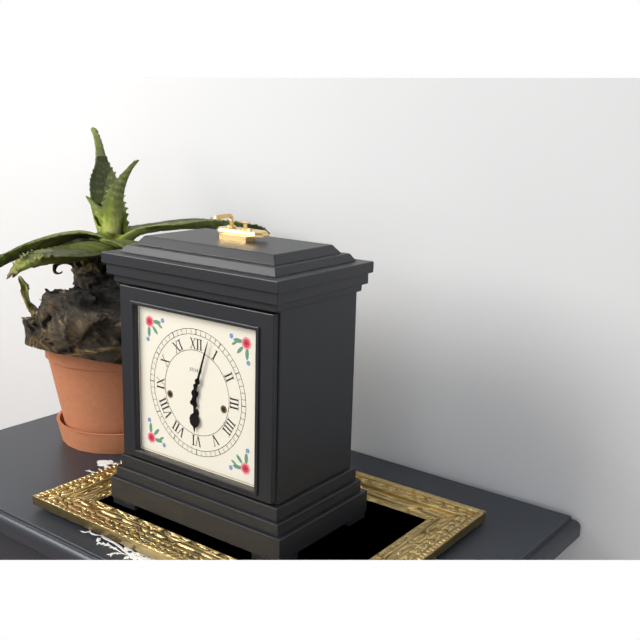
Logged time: h=6 m=3
